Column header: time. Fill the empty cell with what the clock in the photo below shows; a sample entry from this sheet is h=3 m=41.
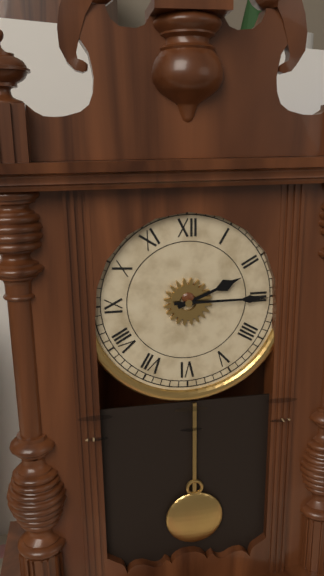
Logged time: h=2 m=15
